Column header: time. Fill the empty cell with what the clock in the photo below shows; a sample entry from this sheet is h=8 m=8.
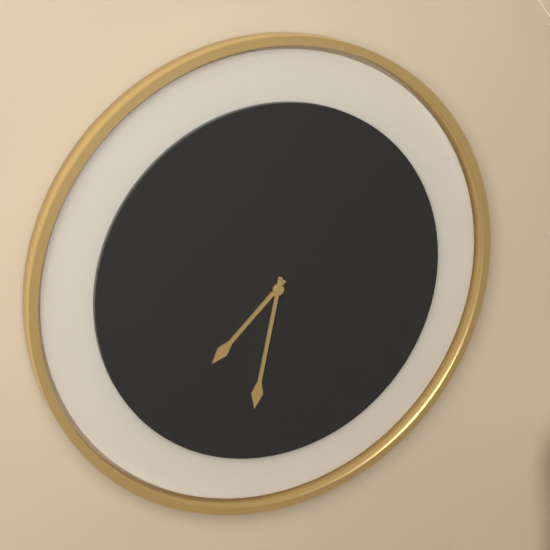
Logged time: h=7 m=32
